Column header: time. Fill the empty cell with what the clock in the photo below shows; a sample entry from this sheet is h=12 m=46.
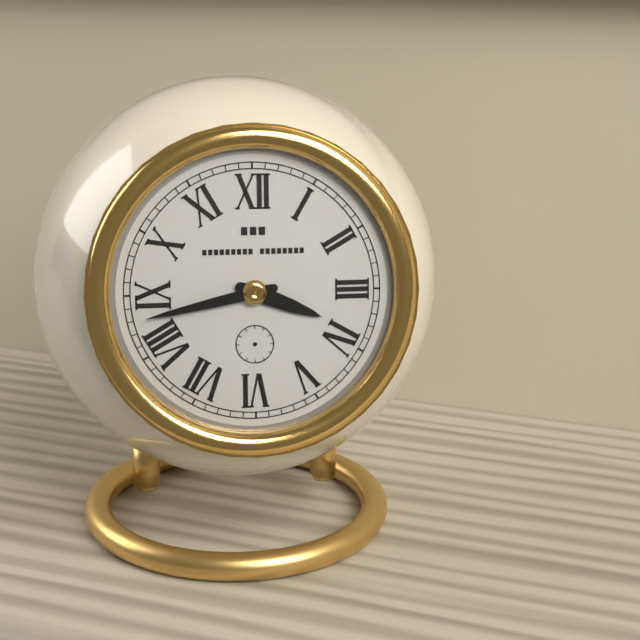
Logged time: h=3 m=43
